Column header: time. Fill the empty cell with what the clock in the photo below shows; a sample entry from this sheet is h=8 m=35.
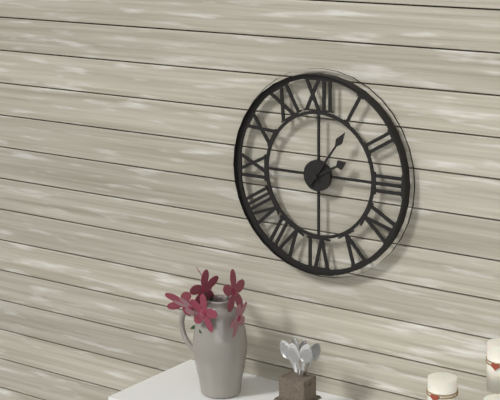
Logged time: h=2 m=6
